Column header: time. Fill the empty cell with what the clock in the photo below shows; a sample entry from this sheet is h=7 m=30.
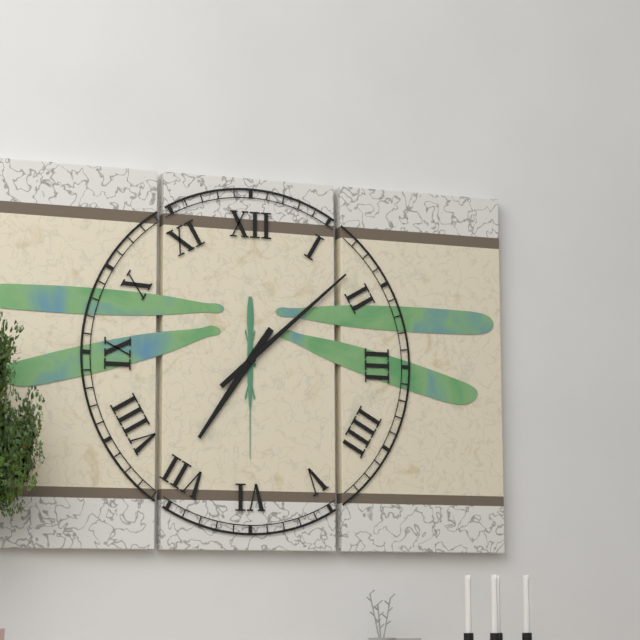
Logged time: h=7 m=8
